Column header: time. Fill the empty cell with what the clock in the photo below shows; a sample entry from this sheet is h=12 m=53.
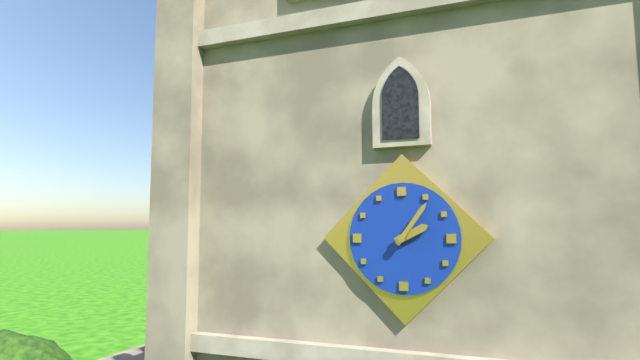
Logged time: h=2 m=6
